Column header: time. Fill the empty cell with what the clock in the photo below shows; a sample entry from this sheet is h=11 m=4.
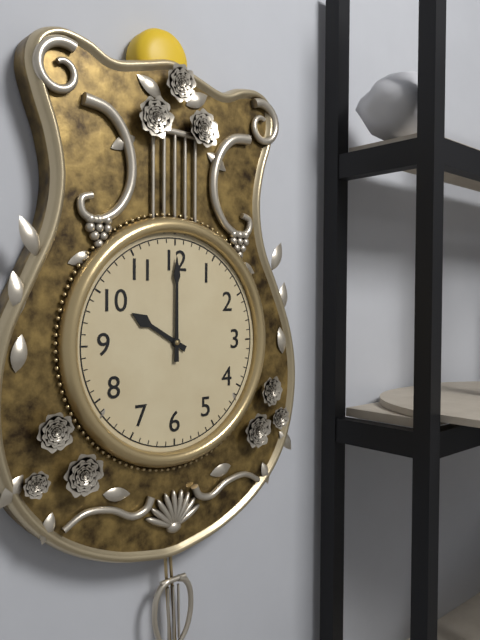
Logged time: h=10 m=0
